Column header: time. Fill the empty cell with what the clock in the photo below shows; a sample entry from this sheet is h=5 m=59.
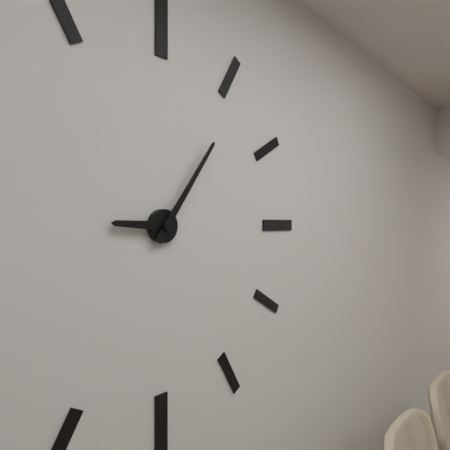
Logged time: h=9 m=6
